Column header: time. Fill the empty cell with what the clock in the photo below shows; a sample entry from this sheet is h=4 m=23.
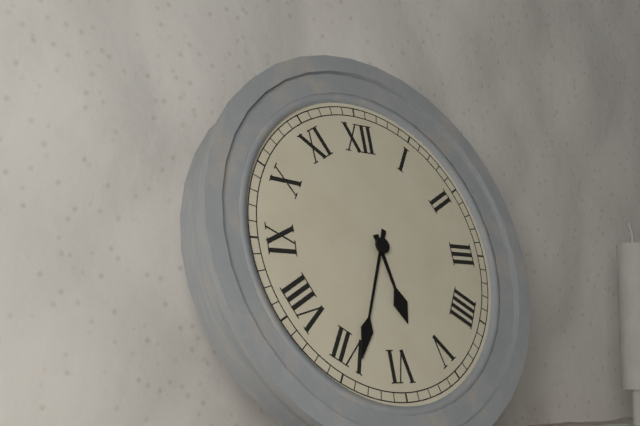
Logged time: h=5 m=34
